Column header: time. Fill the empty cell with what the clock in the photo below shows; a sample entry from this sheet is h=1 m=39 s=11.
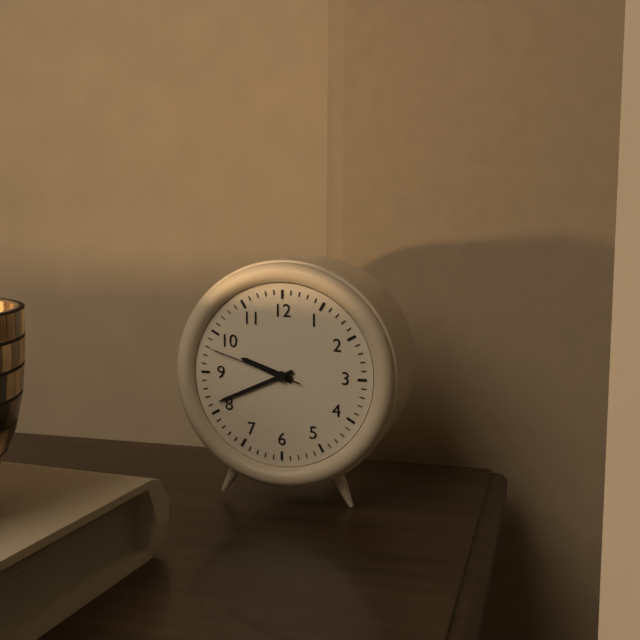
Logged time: h=9 m=41 s=48
